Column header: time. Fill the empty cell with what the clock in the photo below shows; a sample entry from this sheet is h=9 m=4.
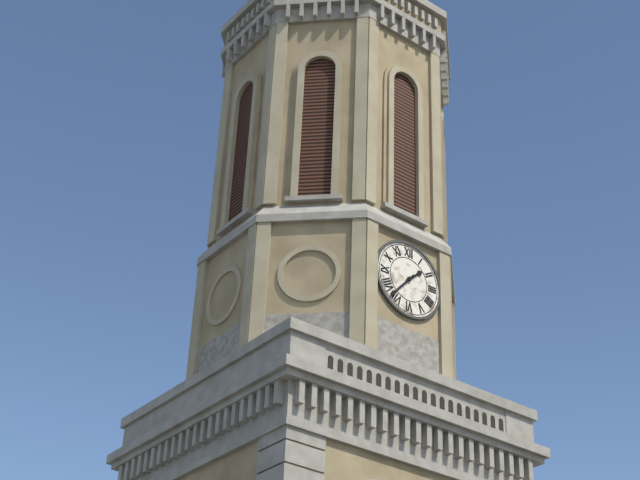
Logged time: h=1 m=37
